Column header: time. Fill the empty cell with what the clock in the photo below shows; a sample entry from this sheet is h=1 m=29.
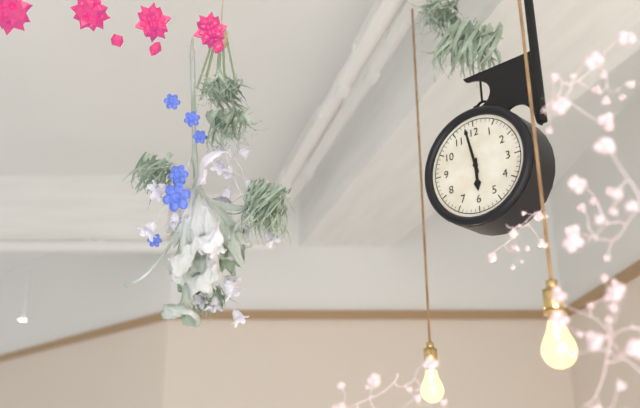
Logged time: h=5 m=58
